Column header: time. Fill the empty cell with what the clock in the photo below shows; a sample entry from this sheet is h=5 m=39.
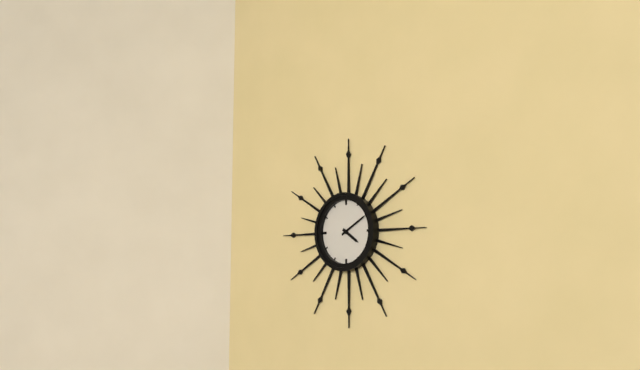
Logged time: h=4 m=10
